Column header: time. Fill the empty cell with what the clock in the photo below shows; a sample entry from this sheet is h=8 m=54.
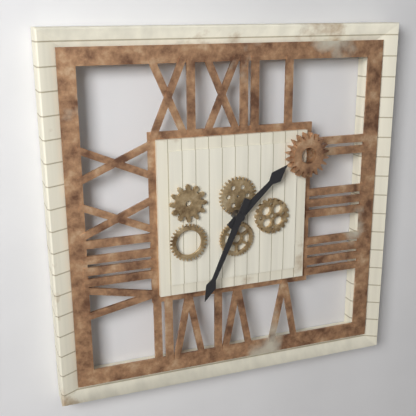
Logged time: h=1 m=34
